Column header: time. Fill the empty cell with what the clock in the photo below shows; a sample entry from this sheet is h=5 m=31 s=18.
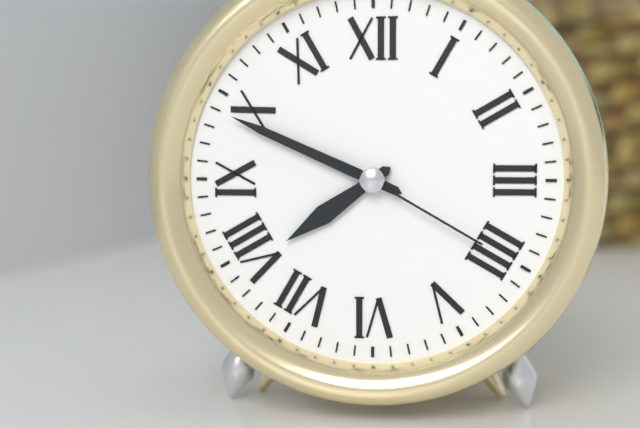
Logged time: h=7 m=49 s=20
